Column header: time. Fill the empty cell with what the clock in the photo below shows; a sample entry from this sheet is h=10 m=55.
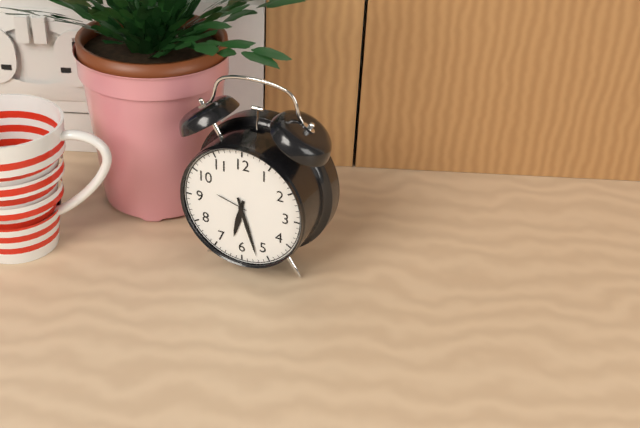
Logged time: h=6 m=27
